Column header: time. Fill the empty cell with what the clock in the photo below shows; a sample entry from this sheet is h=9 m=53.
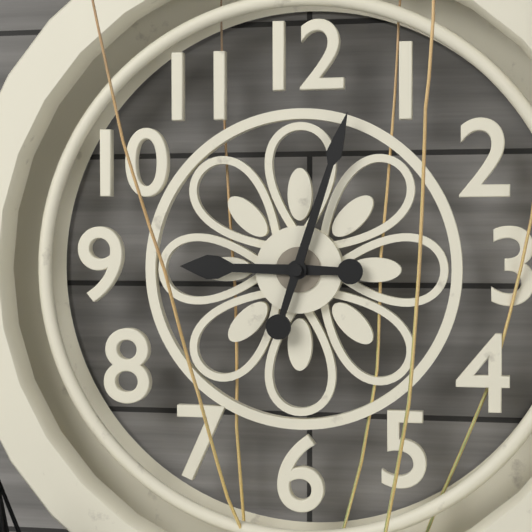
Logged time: h=9 m=3
